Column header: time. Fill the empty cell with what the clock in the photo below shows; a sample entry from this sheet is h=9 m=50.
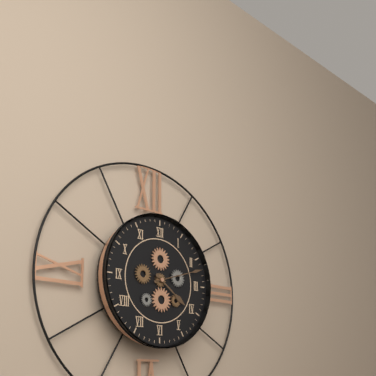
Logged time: h=4 m=12
